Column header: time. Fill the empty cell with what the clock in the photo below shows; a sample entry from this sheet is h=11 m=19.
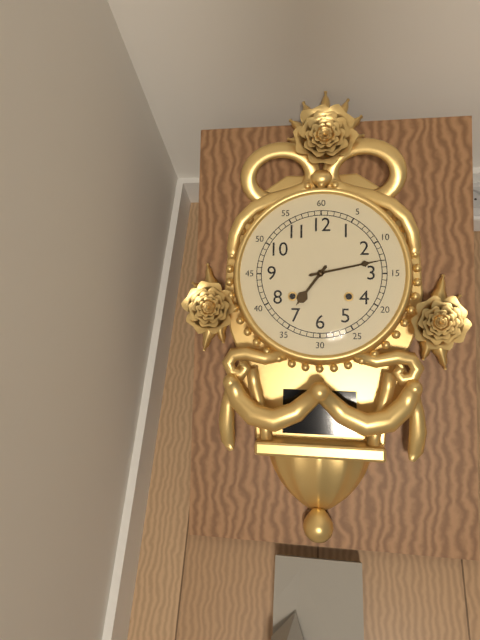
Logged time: h=7 m=13
